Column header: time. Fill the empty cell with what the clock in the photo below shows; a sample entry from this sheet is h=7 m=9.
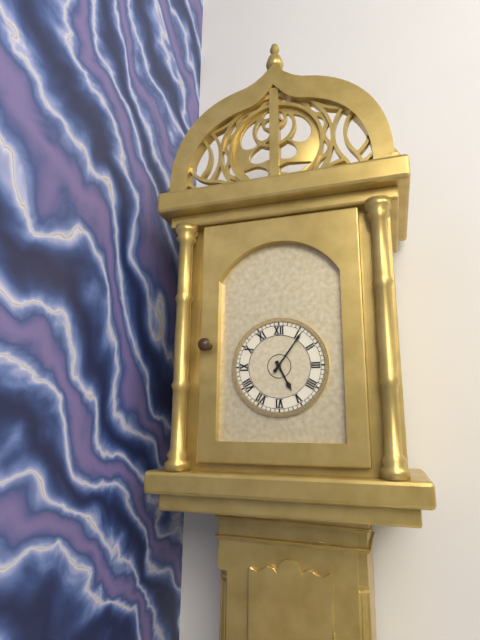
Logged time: h=5 m=6
